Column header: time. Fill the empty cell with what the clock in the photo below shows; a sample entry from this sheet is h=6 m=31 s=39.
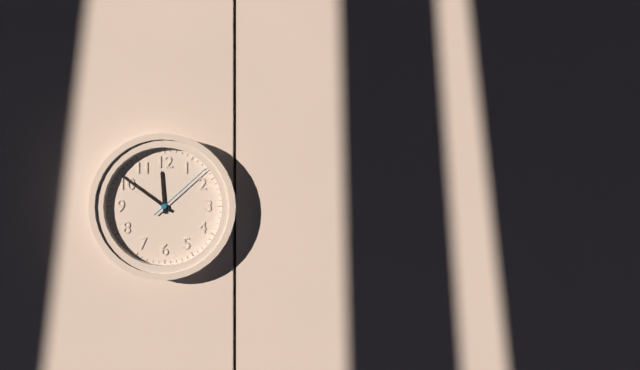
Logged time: h=11 m=51 s=8
